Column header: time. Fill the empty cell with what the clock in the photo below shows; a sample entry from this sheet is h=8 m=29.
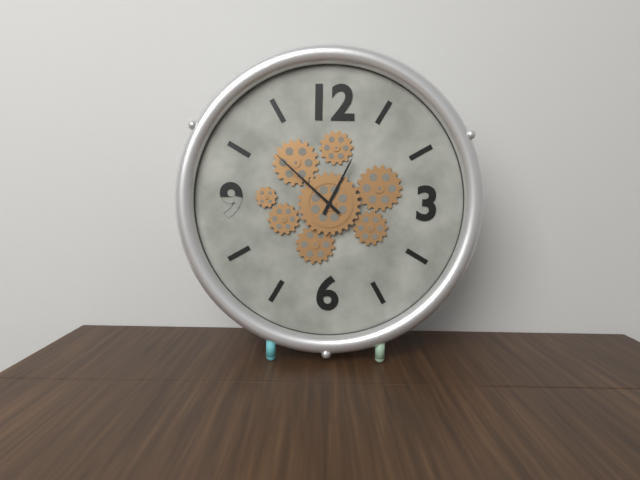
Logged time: h=12 m=52
